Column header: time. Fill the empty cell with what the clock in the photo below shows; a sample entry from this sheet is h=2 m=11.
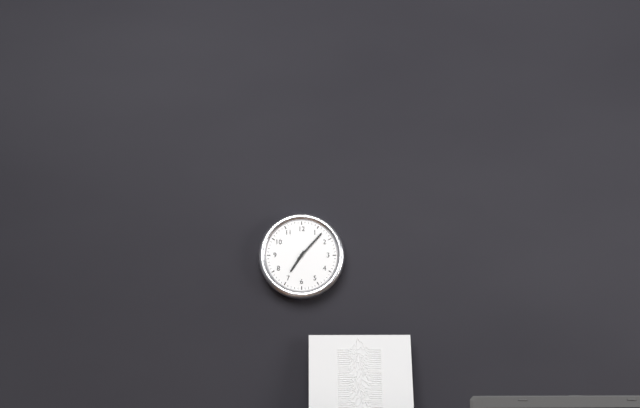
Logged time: h=7 m=7
